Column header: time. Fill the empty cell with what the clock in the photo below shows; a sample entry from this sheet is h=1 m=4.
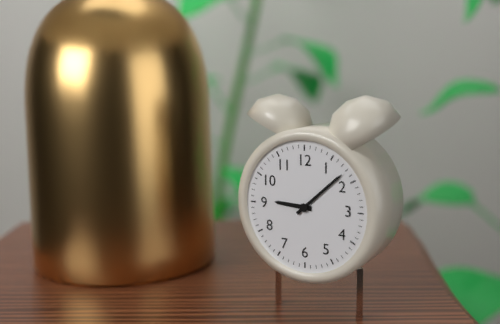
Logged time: h=9 m=8
